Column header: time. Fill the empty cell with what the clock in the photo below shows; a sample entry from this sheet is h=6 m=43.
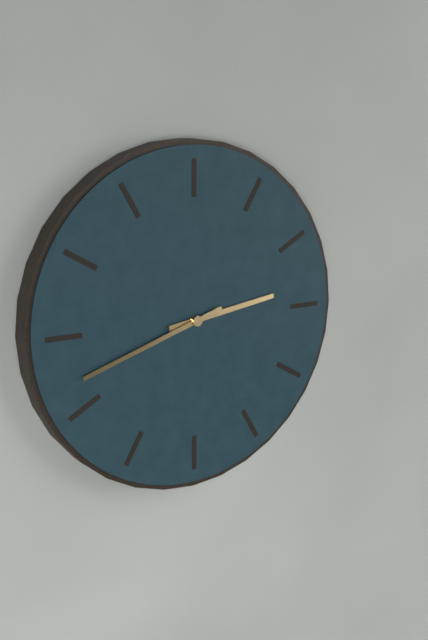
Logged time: h=2 m=42
